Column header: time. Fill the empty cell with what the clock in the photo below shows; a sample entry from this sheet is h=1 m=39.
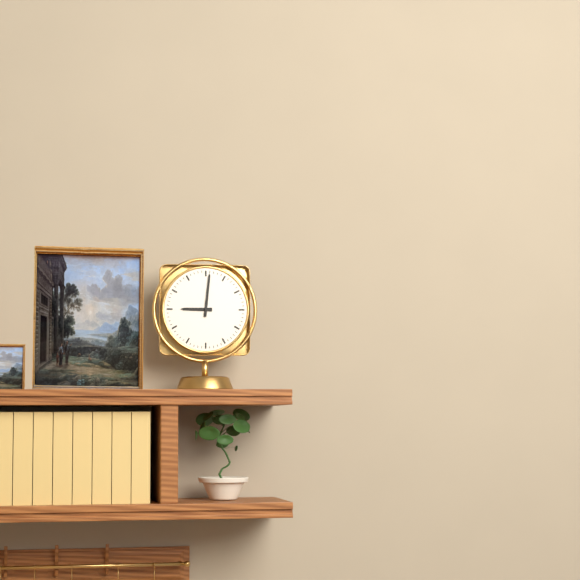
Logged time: h=9 m=1
